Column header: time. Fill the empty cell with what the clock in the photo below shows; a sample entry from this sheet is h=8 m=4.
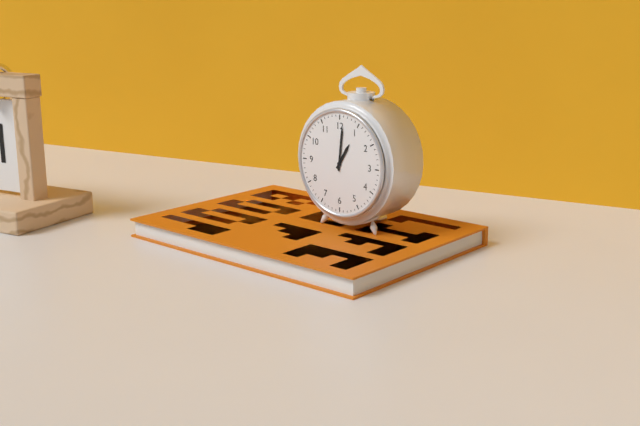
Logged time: h=1 m=1
